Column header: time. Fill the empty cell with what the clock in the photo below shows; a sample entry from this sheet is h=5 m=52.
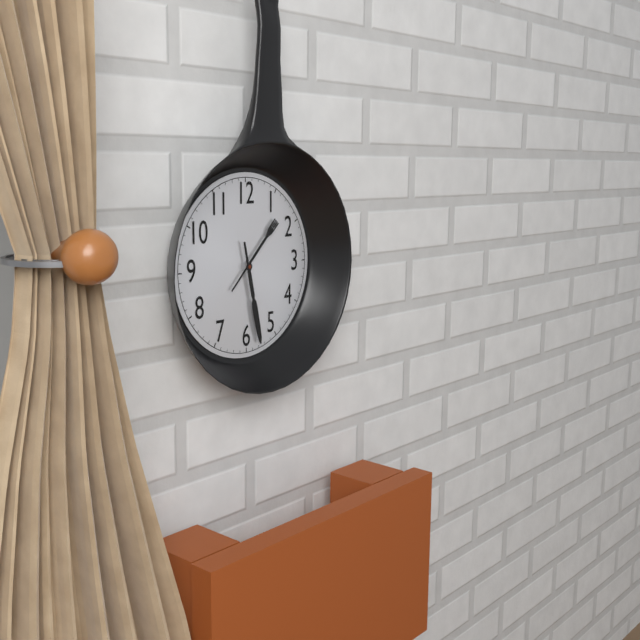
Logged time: h=1 m=28
